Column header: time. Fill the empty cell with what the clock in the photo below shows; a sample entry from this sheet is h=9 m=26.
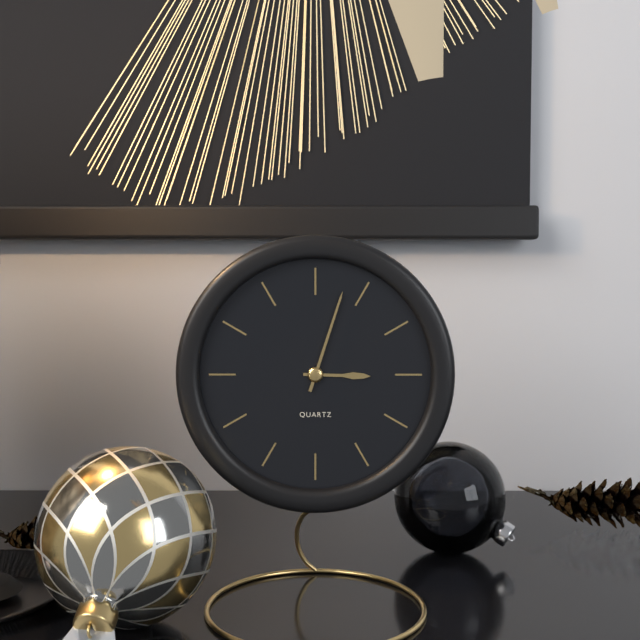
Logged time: h=3 m=3
